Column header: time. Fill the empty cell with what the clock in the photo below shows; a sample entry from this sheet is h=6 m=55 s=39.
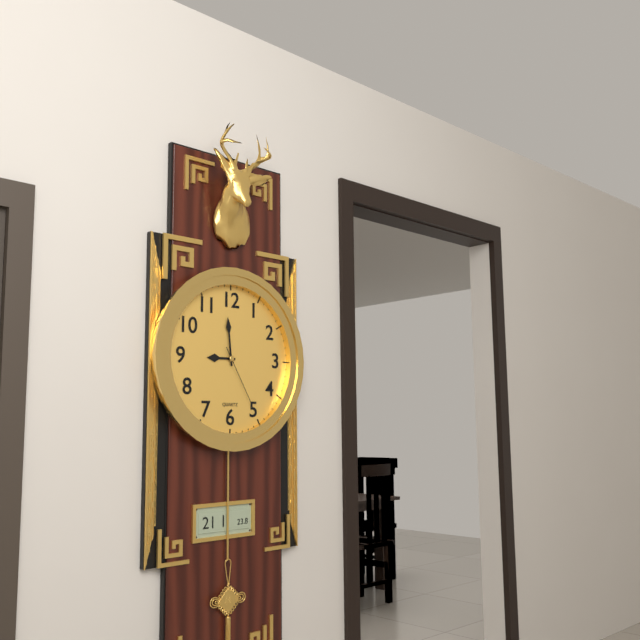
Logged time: h=8 m=59 s=25
